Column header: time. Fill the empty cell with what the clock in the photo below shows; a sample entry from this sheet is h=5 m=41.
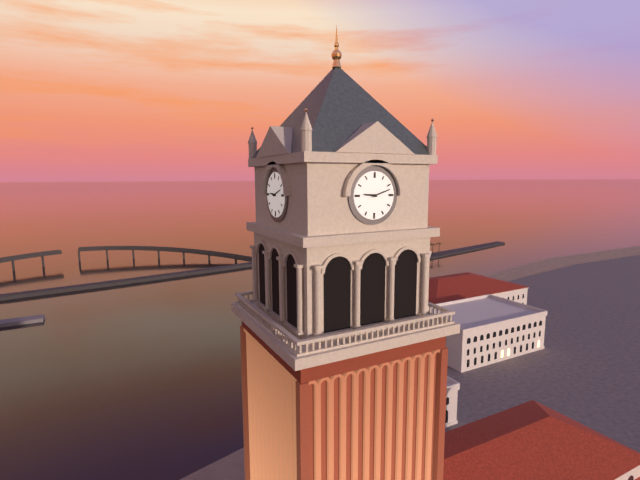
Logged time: h=9 m=12
